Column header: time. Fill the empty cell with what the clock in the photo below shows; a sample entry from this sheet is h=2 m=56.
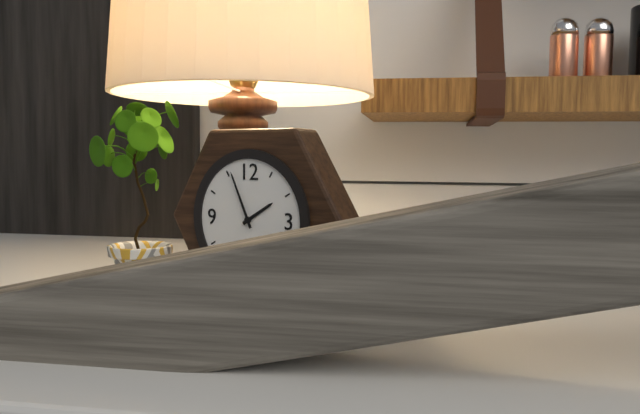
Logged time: h=1 m=56
